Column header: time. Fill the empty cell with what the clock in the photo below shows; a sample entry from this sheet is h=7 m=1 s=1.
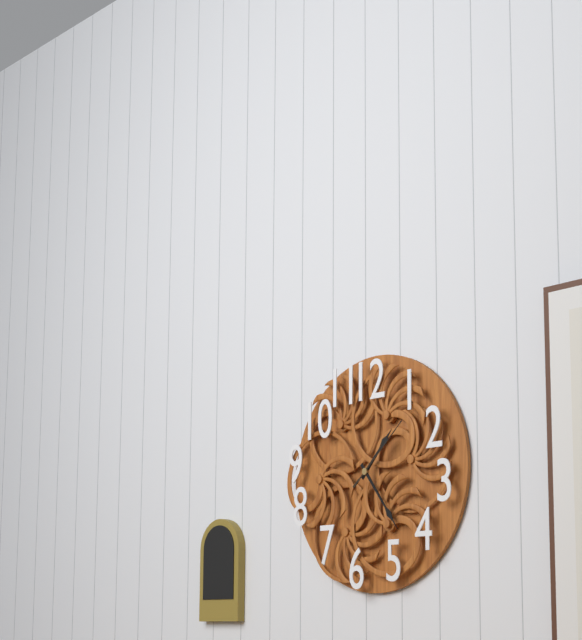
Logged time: h=1 m=24 s=8
